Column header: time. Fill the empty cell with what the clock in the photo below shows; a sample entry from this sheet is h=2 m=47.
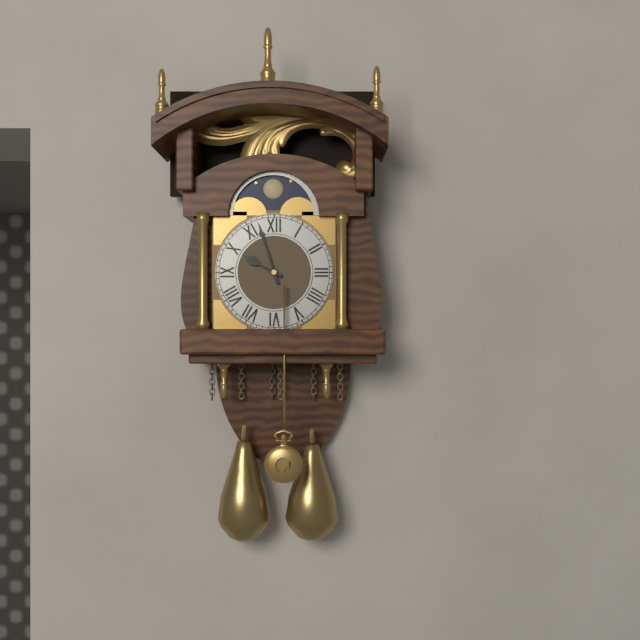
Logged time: h=9 m=57
